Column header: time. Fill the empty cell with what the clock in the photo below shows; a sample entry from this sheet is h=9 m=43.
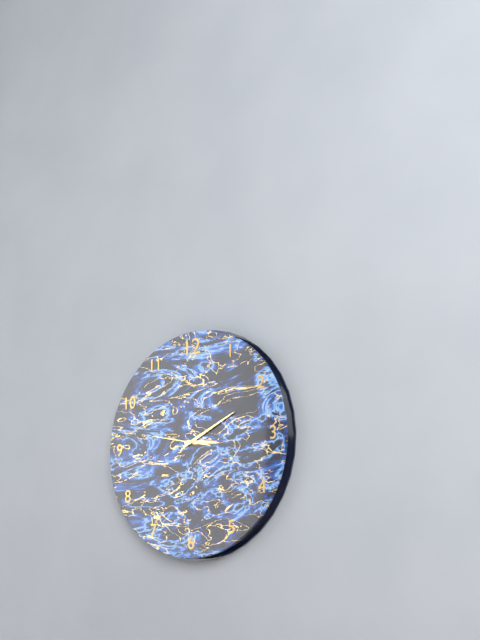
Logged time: h=3 m=11
